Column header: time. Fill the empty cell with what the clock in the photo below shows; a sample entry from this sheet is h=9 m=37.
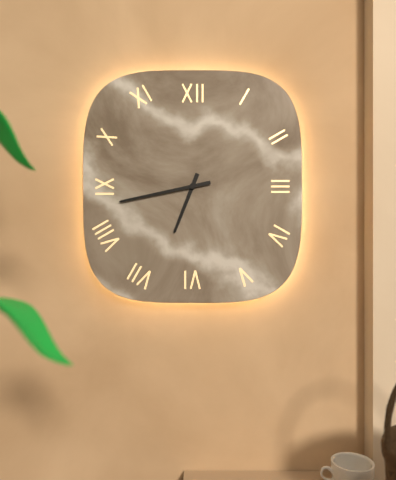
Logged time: h=6 m=43
